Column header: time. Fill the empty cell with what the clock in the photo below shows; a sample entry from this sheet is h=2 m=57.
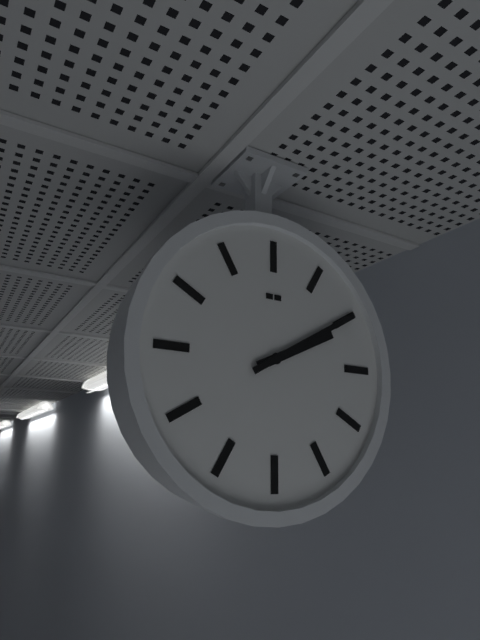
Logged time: h=2 m=10
